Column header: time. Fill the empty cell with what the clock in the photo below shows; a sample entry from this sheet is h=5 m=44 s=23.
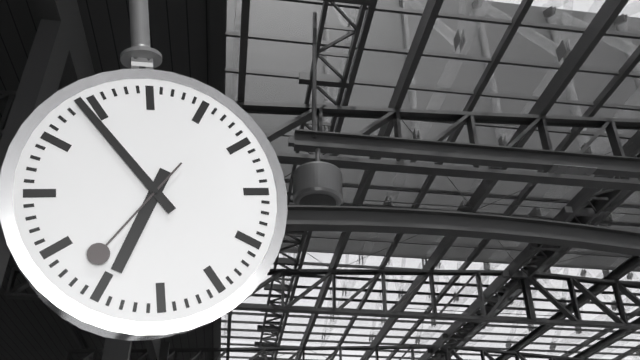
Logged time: h=6 m=54 s=37
